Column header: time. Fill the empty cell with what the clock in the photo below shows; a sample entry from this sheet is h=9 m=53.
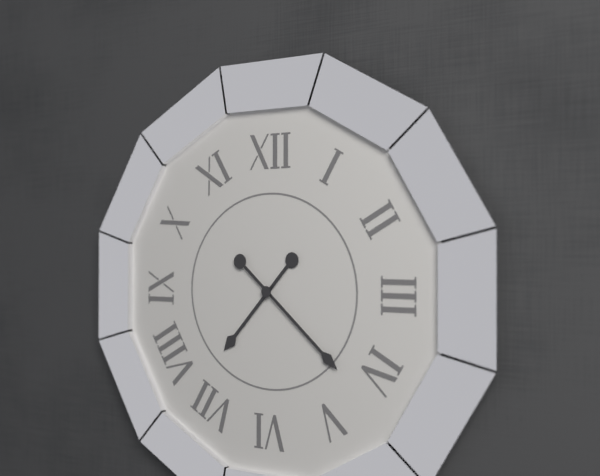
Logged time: h=7 m=22
